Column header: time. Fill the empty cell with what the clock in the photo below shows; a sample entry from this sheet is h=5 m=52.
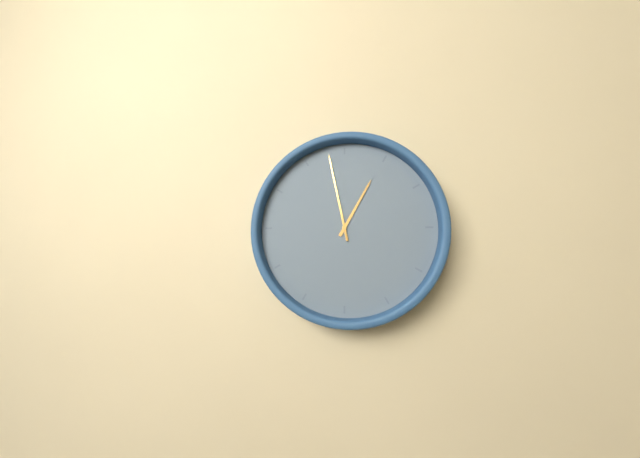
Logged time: h=12 m=58
